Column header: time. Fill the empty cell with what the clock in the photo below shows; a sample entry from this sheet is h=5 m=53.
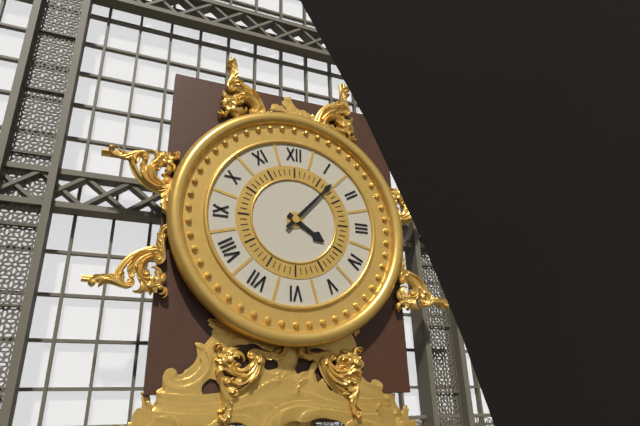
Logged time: h=4 m=7
